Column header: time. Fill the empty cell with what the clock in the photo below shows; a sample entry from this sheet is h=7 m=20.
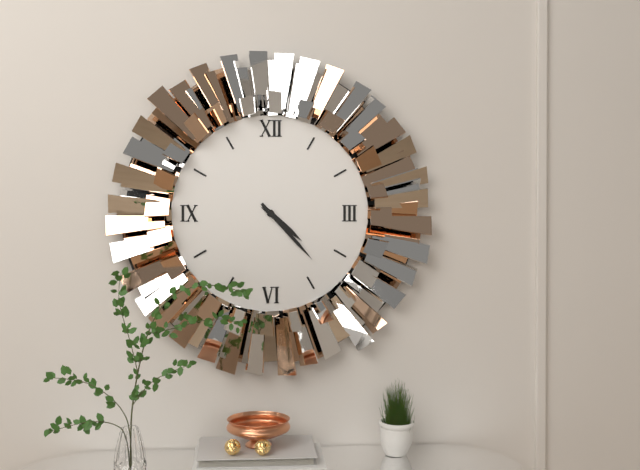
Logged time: h=4 m=23
